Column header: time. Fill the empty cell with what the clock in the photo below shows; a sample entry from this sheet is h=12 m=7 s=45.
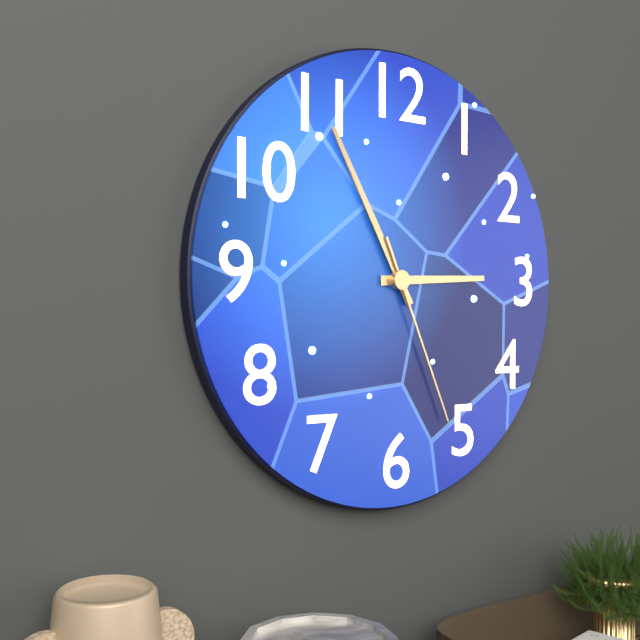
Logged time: h=2 m=55 s=26
